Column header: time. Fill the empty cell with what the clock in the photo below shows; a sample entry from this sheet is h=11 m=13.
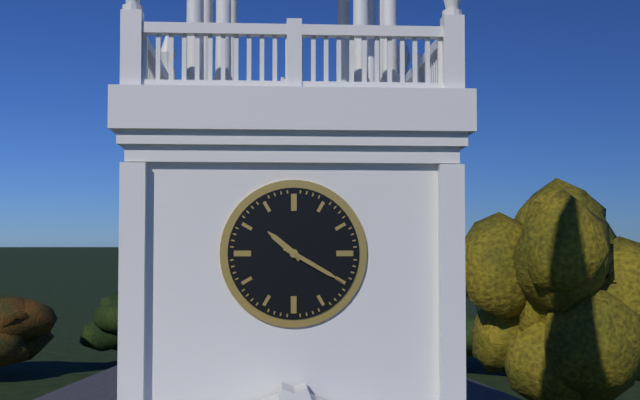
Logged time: h=10 m=20
